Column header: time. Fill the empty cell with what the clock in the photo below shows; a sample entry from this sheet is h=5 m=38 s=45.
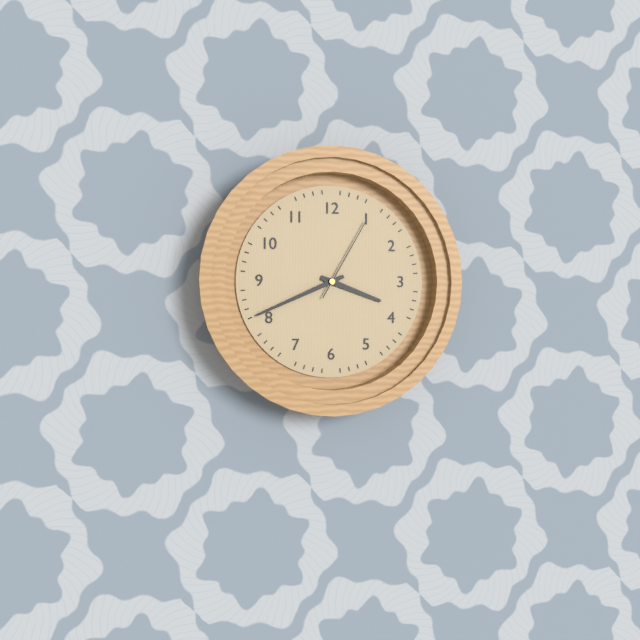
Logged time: h=3 m=41 s=5
